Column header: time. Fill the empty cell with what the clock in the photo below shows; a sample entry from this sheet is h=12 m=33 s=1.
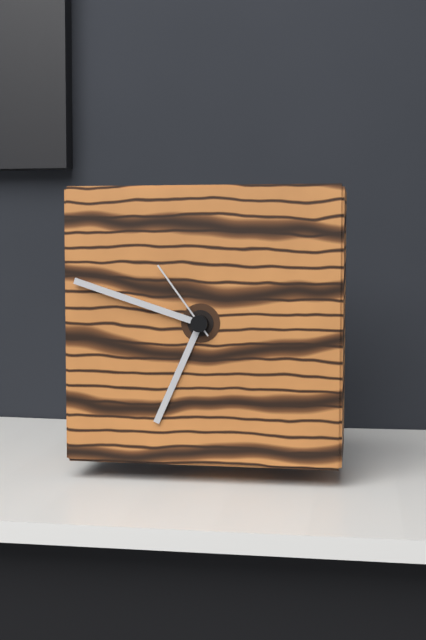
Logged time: h=6 m=48 s=54
